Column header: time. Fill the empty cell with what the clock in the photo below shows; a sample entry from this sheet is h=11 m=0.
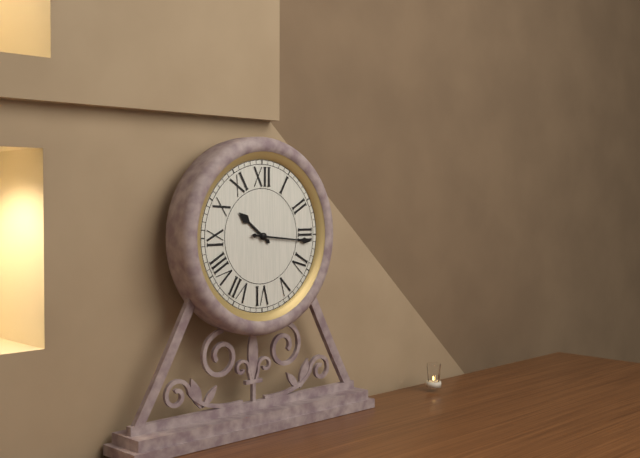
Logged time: h=10 m=16
